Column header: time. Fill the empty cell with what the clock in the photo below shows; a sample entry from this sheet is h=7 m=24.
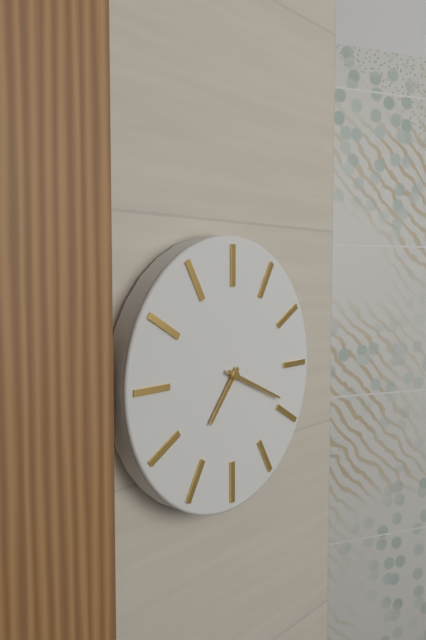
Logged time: h=7 m=19
